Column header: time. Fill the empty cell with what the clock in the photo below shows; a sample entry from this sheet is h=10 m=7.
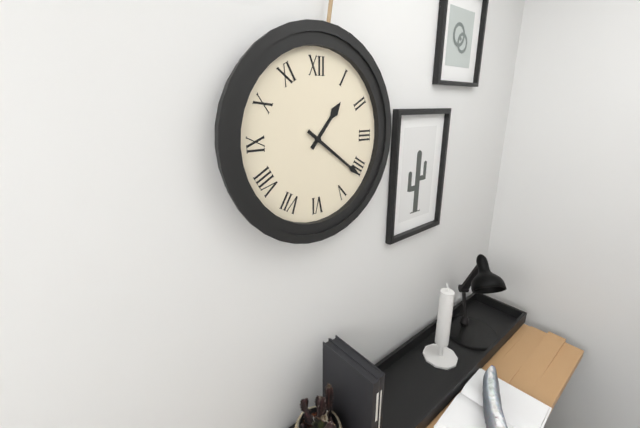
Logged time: h=1 m=21
